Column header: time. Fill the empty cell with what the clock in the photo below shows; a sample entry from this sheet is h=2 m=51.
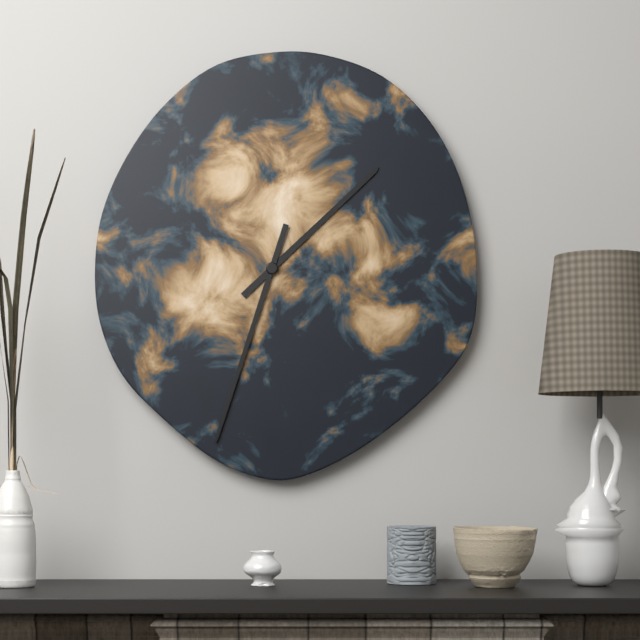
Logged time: h=1 m=33
